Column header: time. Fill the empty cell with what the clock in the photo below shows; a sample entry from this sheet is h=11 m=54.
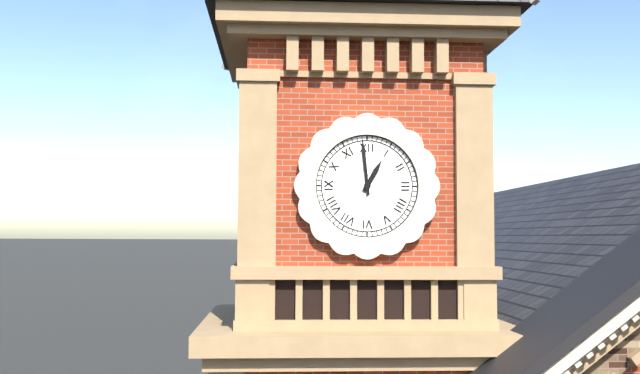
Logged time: h=12 m=59
